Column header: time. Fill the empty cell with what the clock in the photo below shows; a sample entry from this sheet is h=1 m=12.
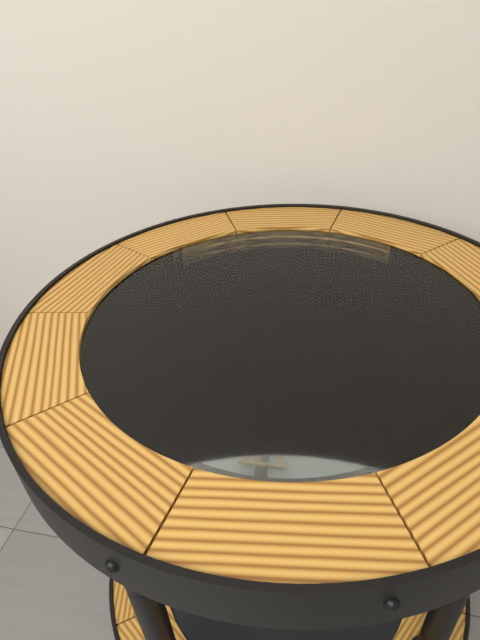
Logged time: h=1 m=46
